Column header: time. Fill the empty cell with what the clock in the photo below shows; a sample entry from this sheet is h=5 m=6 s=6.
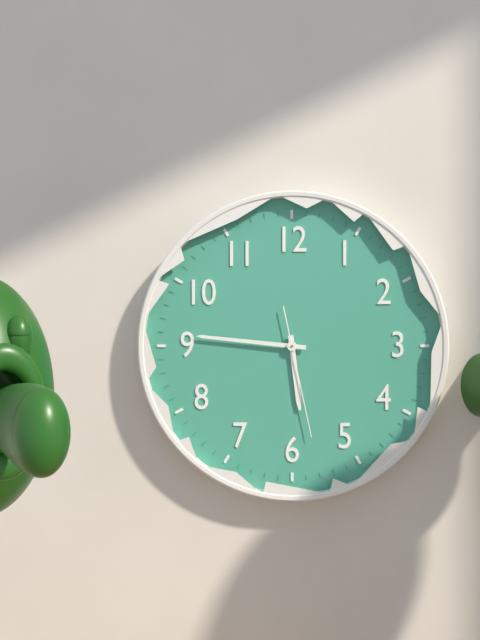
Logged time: h=5 m=46 s=28
